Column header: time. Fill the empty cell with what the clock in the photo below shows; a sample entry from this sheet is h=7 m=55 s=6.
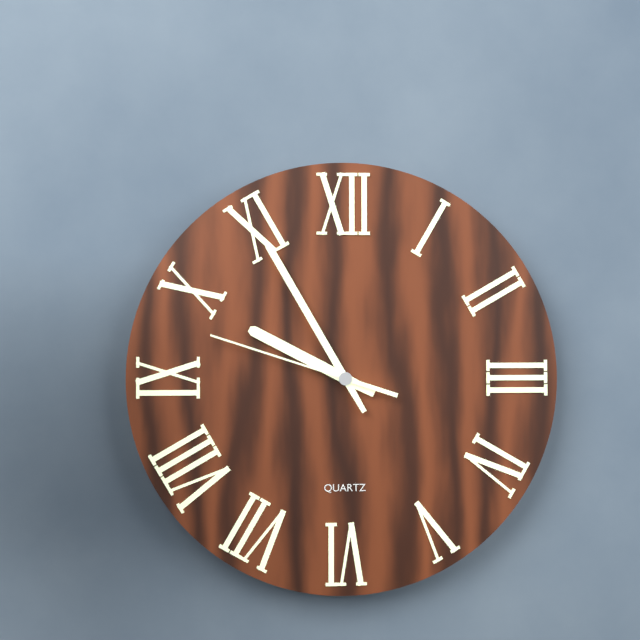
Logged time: h=9 m=55 s=48
